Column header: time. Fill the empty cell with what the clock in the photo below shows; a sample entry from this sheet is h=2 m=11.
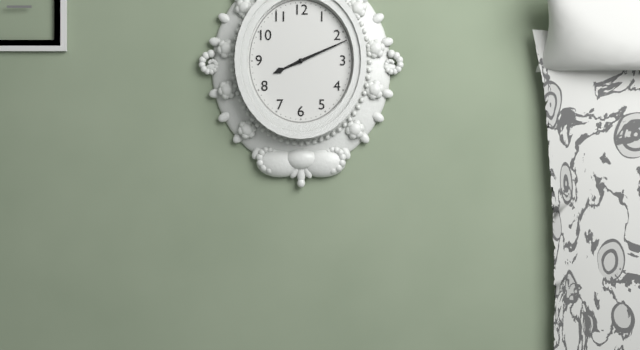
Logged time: h=8 m=11
